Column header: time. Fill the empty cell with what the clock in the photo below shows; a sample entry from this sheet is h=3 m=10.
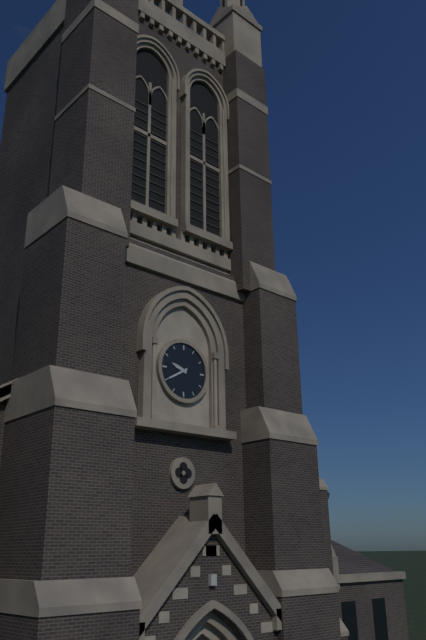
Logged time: h=9 m=40
